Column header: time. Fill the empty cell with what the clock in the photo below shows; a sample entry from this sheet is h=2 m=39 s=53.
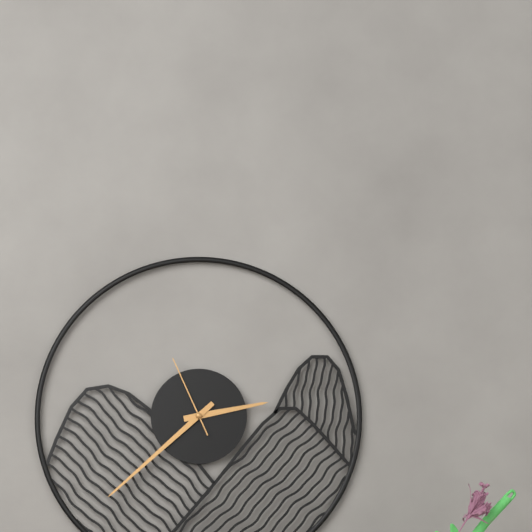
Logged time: h=2 m=38 s=56
